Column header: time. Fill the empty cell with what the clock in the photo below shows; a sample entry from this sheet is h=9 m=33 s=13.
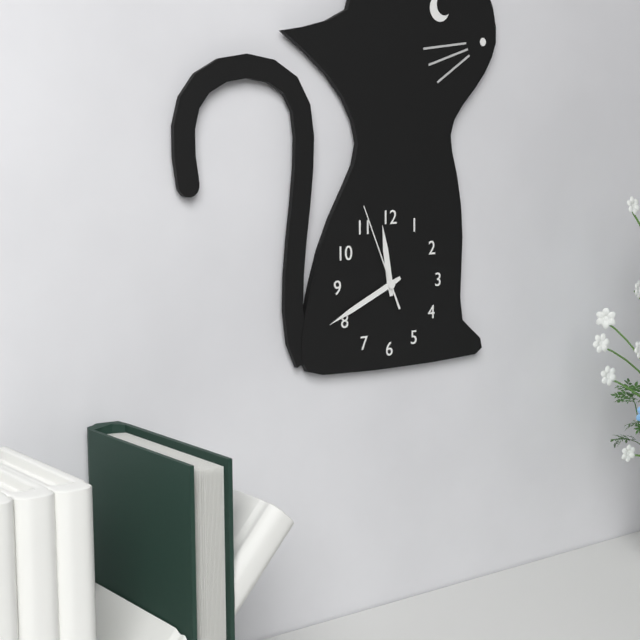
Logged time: h=11 m=41 s=56
